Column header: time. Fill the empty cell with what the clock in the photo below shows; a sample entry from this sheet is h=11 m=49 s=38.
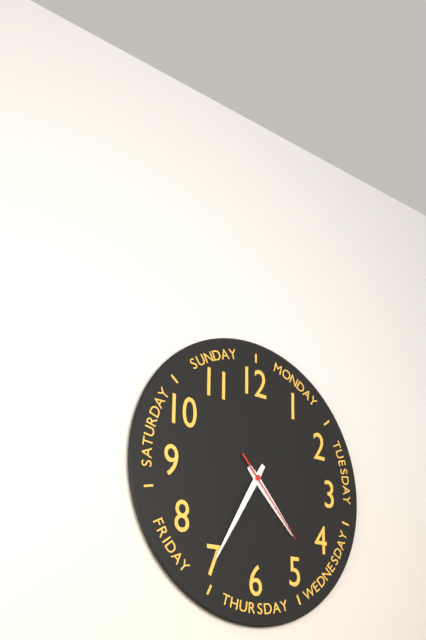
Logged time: h=4 m=35 s=23
